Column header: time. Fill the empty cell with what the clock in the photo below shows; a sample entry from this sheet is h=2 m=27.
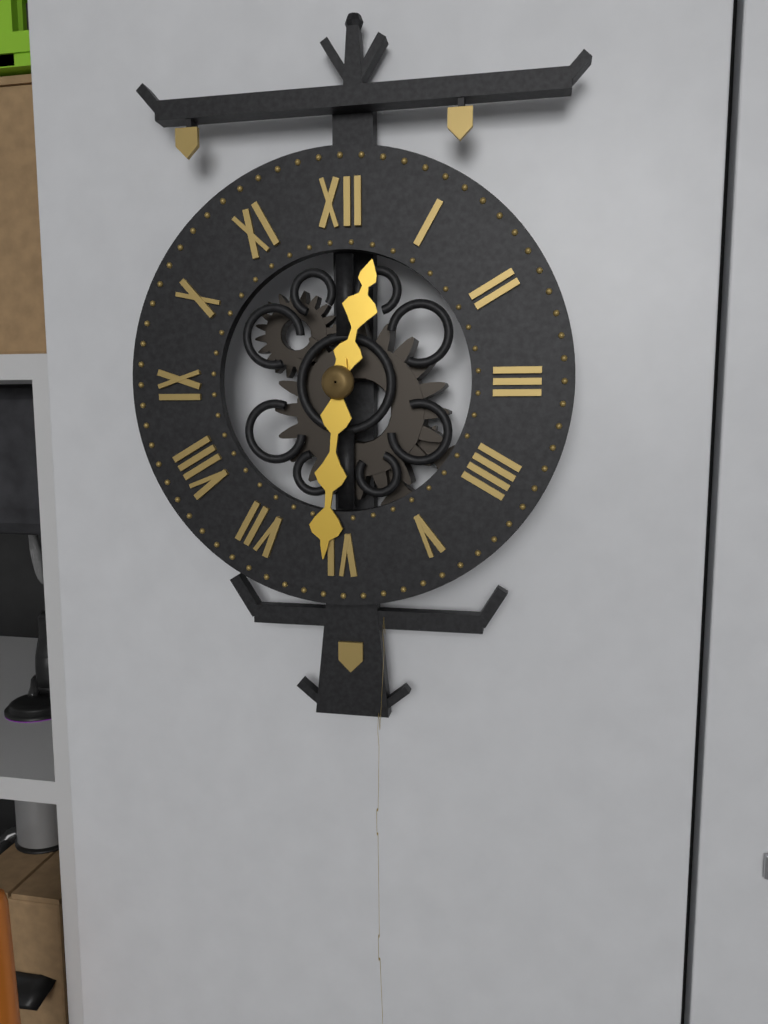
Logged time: h=12 m=31
